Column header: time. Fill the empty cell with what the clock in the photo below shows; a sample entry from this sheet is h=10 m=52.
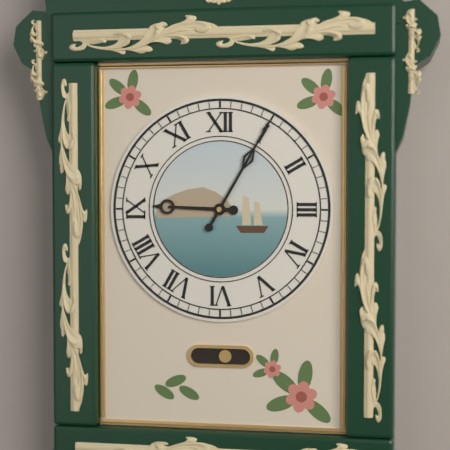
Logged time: h=9 m=5
